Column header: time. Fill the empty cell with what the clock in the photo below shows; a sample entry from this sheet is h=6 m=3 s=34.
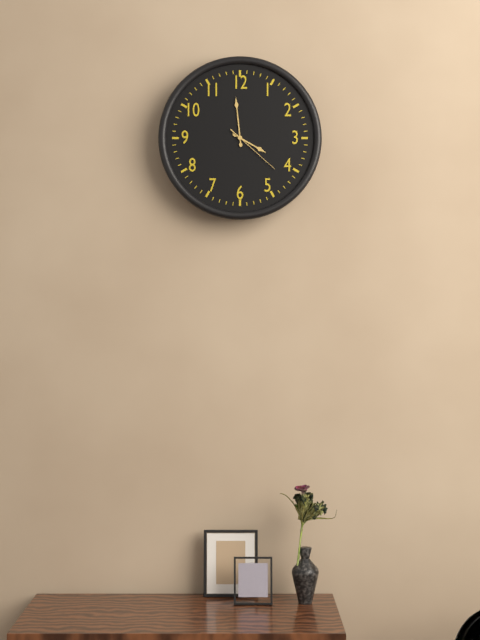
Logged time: h=3 m=59 s=22
